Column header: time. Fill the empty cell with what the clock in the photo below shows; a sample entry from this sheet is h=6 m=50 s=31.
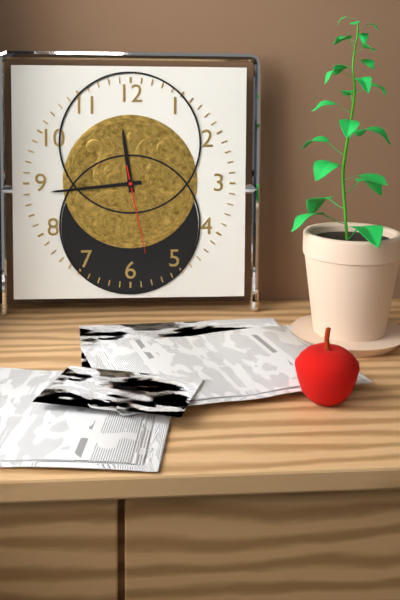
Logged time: h=11 m=44 s=28
